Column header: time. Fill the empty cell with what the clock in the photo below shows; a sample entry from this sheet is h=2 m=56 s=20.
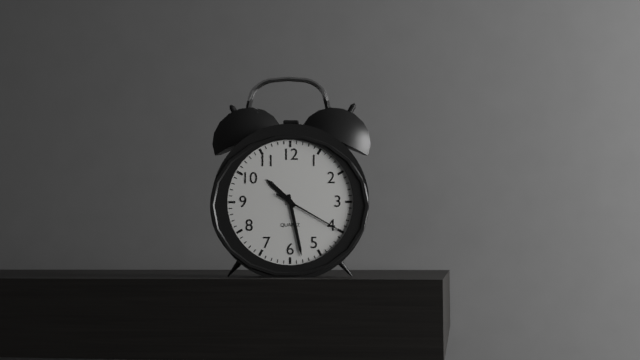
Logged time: h=10 m=28 s=20
